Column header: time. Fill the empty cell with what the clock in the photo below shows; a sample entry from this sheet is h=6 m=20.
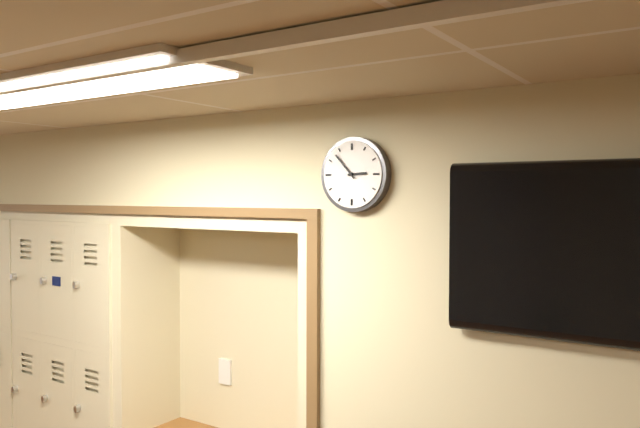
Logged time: h=2 m=53
